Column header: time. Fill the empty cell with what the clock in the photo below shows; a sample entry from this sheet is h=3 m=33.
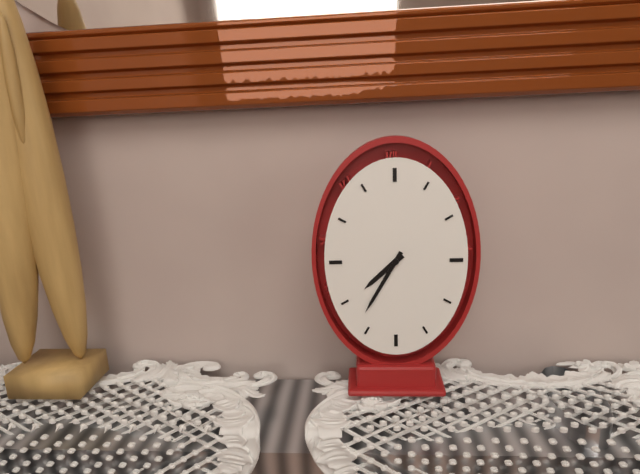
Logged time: h=7 m=35
